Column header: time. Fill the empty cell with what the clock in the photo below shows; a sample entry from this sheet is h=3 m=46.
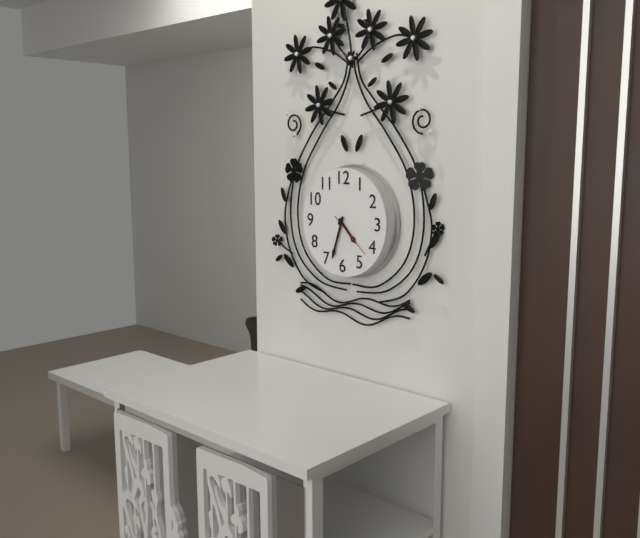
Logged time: h=4 m=33
